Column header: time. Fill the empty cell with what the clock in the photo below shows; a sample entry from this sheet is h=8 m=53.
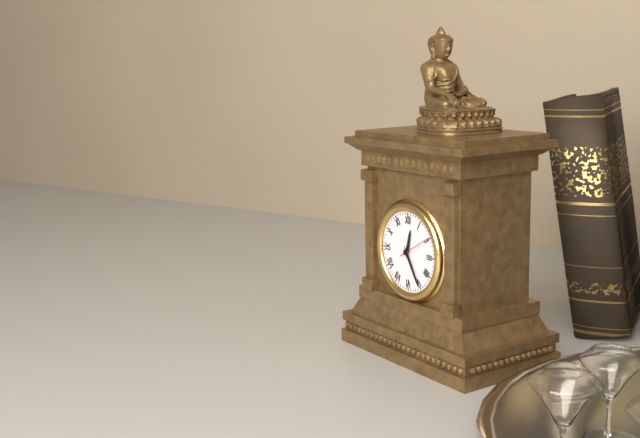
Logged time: h=12 m=25
